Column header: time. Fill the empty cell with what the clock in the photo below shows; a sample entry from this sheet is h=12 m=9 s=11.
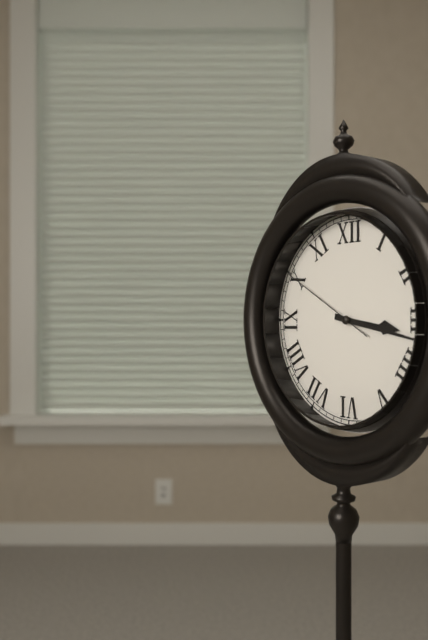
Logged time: h=3 m=17 s=50
